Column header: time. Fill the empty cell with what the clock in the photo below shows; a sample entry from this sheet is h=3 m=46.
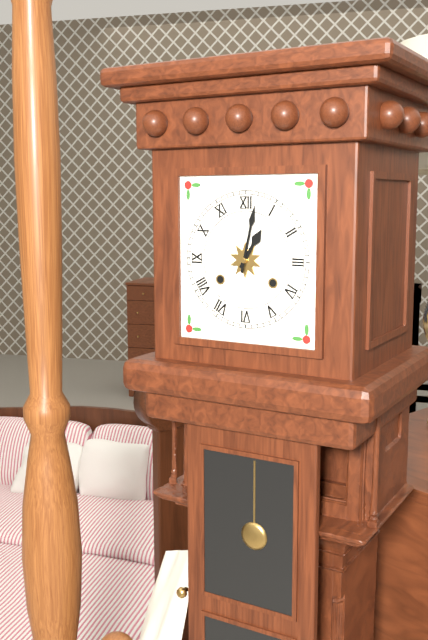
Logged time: h=1 m=2
